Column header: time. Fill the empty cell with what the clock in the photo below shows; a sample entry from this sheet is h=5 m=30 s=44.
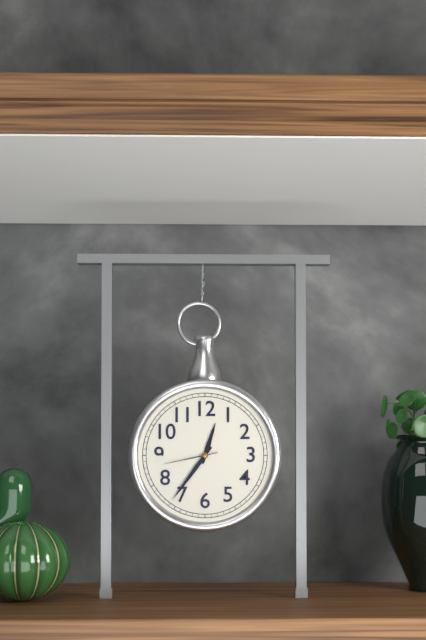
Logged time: h=12 m=36 s=43
